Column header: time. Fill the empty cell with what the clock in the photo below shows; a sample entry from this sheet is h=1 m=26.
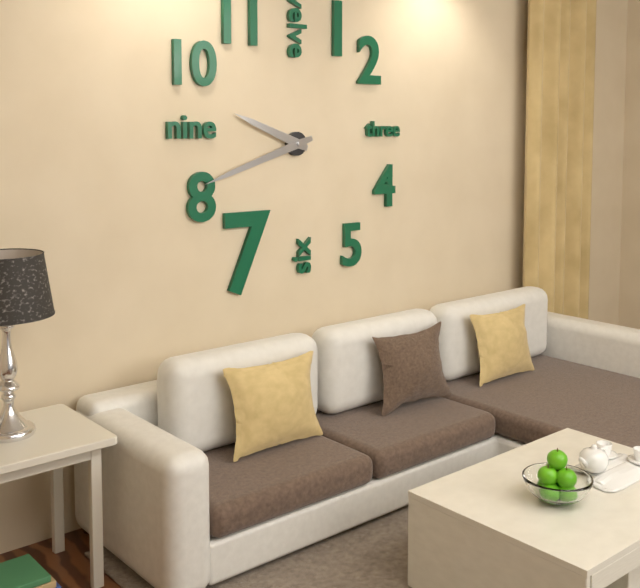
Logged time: h=9 m=42
